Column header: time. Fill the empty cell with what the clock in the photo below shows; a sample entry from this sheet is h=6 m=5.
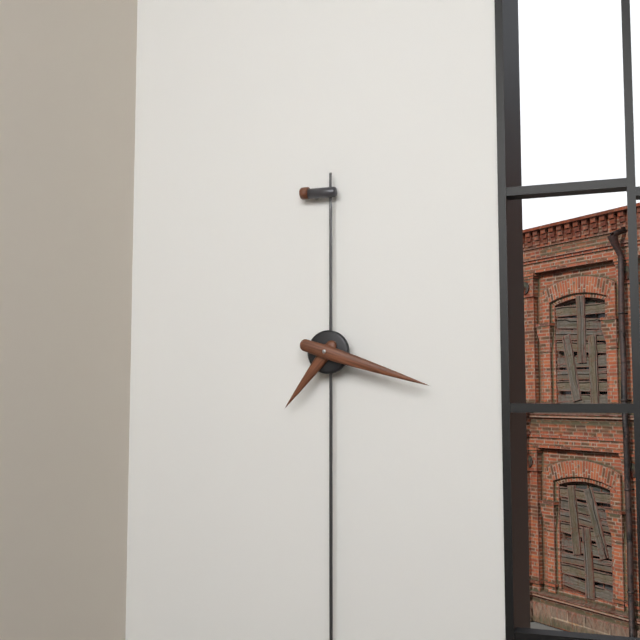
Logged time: h=7 m=18
